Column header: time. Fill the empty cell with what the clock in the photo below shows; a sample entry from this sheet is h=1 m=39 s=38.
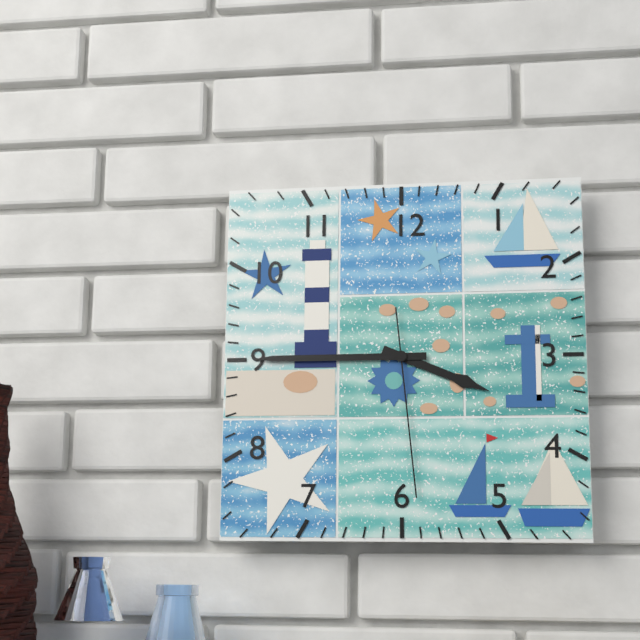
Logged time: h=3 m=45 s=29
